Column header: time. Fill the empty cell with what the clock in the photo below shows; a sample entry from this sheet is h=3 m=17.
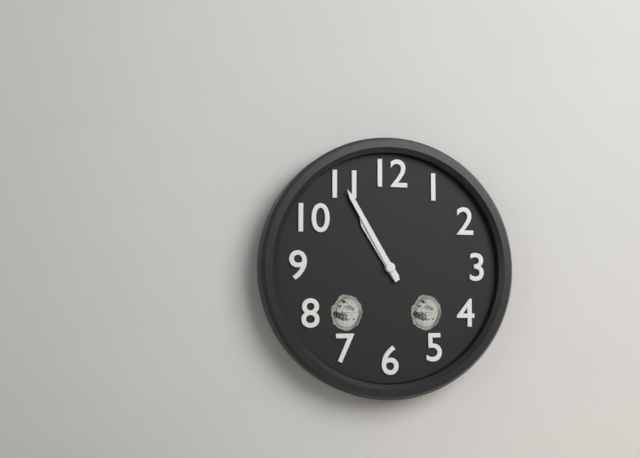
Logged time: h=10 m=55
